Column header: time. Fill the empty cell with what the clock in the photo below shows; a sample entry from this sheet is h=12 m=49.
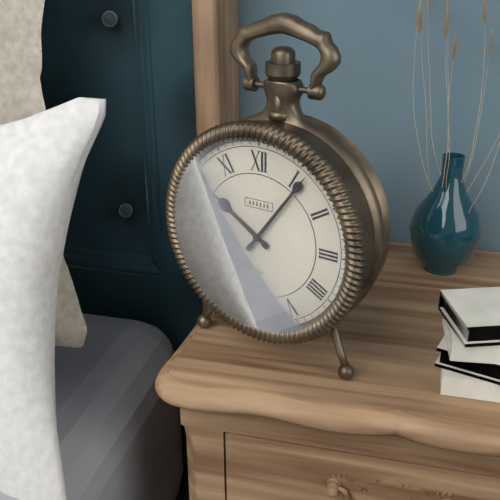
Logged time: h=10 m=6
